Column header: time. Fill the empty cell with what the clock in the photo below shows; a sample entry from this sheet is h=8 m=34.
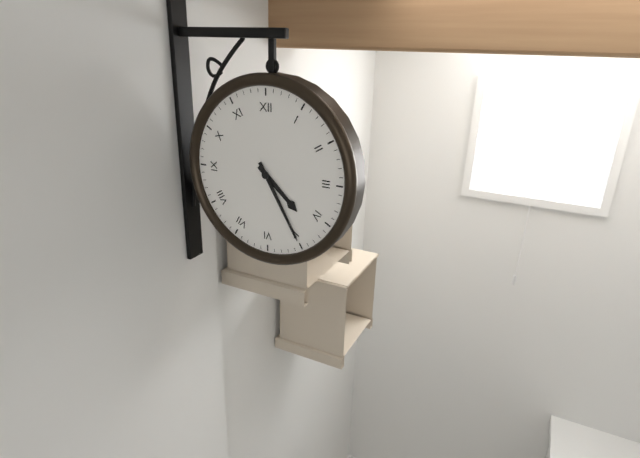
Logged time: h=4 m=25
